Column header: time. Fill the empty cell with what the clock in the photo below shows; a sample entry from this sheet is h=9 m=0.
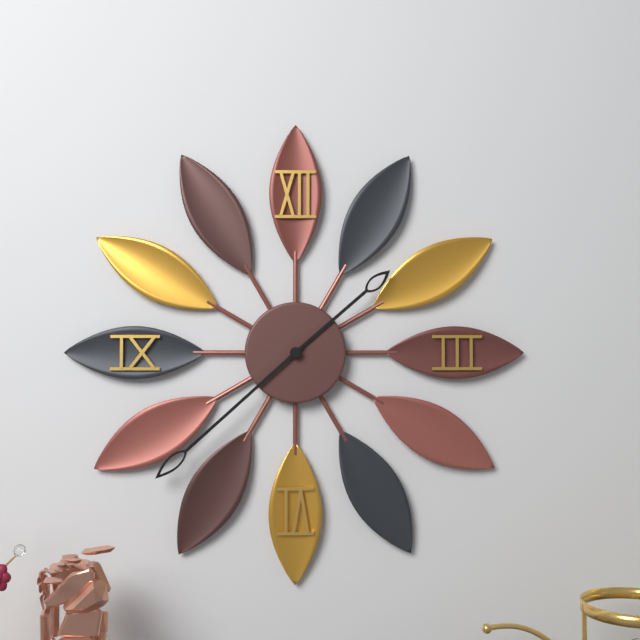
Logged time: h=1 m=38
